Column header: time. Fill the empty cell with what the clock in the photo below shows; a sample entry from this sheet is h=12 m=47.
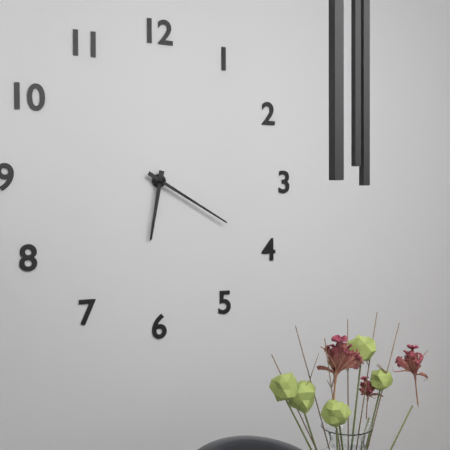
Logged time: h=6 m=20
